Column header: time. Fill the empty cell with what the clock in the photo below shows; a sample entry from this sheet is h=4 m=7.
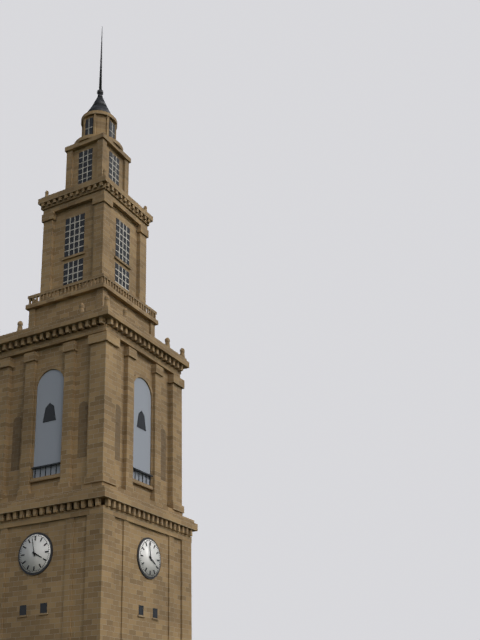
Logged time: h=3 m=58
